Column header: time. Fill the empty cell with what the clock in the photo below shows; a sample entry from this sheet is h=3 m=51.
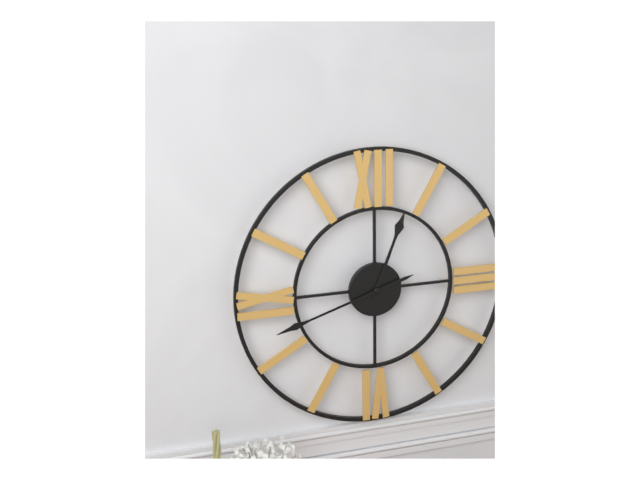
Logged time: h=12 m=42
